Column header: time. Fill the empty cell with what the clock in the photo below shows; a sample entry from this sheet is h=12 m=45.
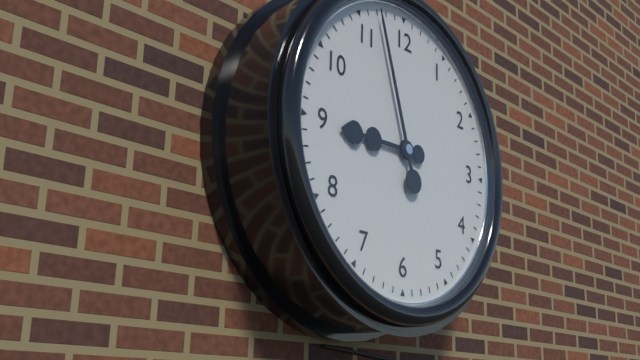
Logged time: h=8 m=57
